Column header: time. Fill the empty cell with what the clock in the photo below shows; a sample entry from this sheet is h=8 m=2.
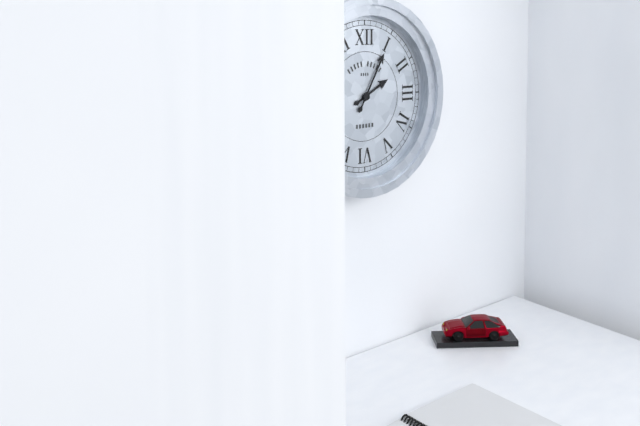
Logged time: h=2 m=5
